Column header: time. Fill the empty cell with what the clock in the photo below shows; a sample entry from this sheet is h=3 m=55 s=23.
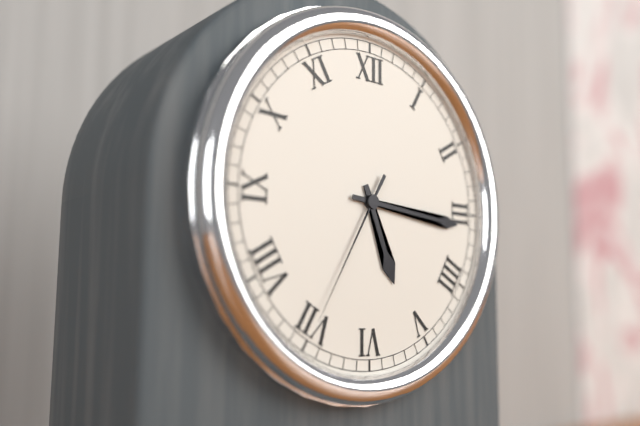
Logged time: h=5 m=16 s=35
